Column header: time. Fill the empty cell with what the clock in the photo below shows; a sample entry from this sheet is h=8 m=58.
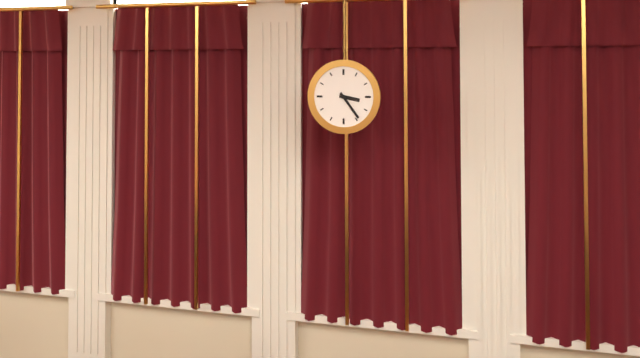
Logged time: h=3 m=24
